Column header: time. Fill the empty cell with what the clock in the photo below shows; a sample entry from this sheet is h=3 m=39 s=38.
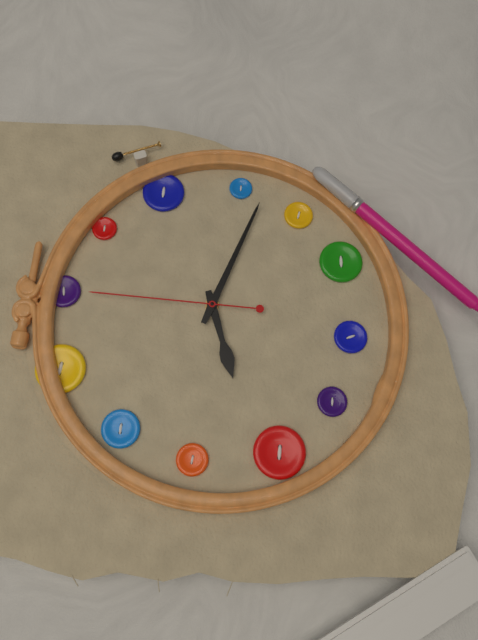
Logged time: h=8 m=18 s=0
